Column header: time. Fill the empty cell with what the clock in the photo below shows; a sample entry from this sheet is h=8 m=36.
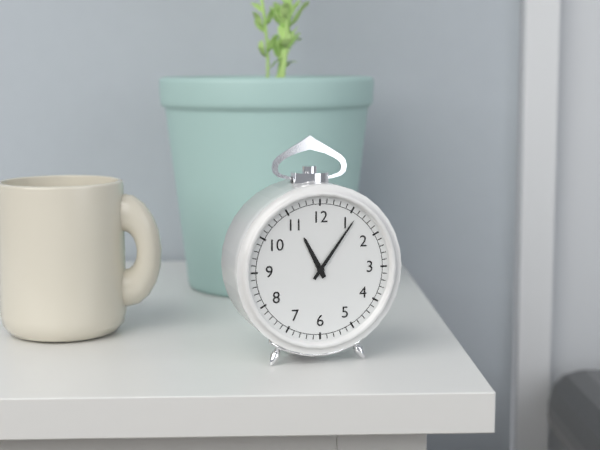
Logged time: h=11 m=6
